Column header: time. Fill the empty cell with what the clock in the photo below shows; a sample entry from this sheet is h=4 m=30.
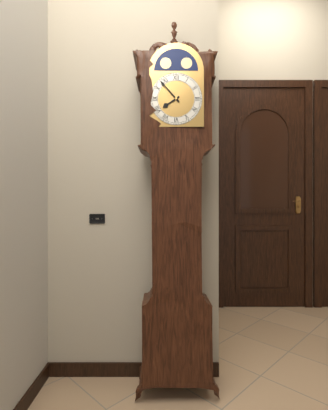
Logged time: h=7 m=53
